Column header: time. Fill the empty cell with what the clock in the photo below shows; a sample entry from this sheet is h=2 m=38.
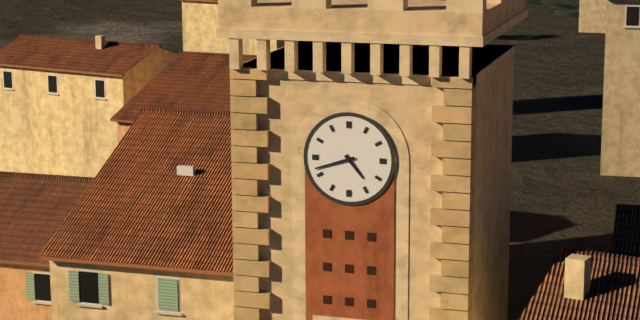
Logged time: h=4 m=42
